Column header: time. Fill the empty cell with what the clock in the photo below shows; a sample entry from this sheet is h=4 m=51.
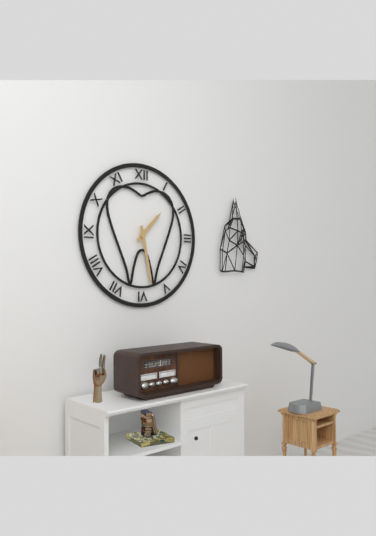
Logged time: h=1 m=28
